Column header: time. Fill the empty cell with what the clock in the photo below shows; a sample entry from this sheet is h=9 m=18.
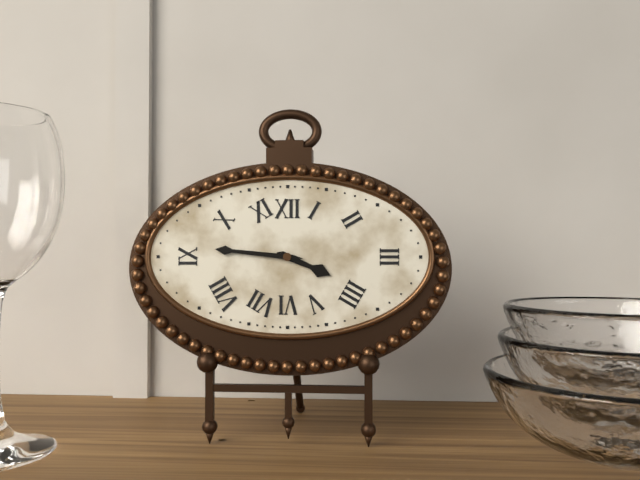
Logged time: h=3 m=46
